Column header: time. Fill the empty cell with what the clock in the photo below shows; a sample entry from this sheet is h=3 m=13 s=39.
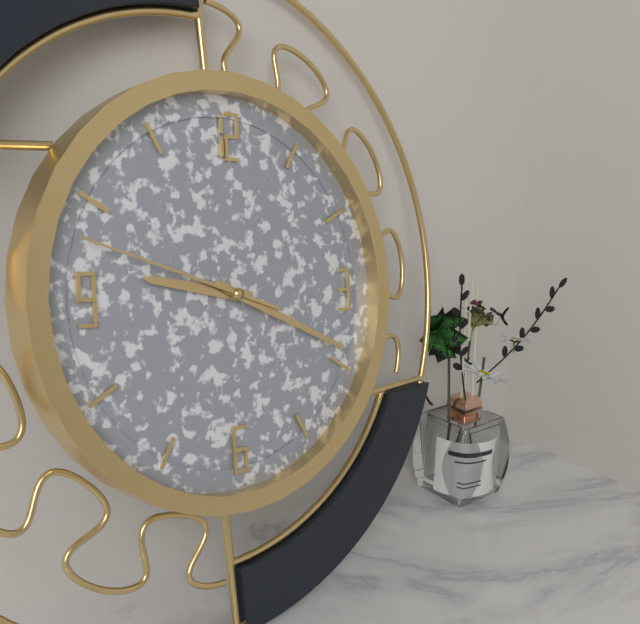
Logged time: h=9 m=19 s=48
